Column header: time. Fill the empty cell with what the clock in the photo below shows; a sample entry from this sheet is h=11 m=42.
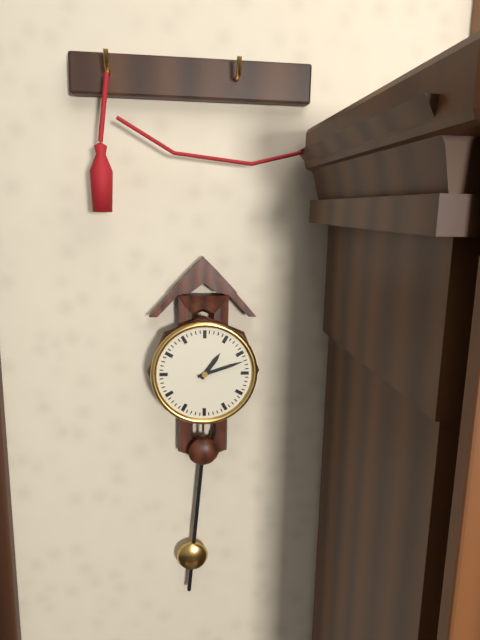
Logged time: h=1 m=12
